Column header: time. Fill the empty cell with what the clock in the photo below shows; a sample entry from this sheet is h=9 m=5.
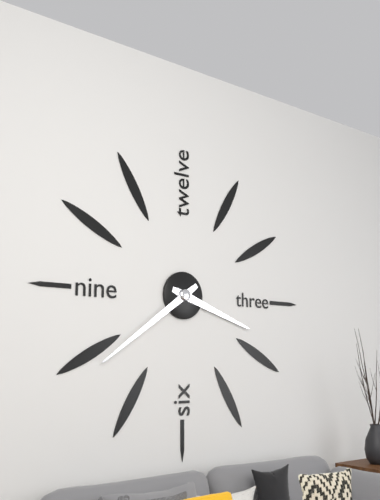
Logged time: h=3 m=39
